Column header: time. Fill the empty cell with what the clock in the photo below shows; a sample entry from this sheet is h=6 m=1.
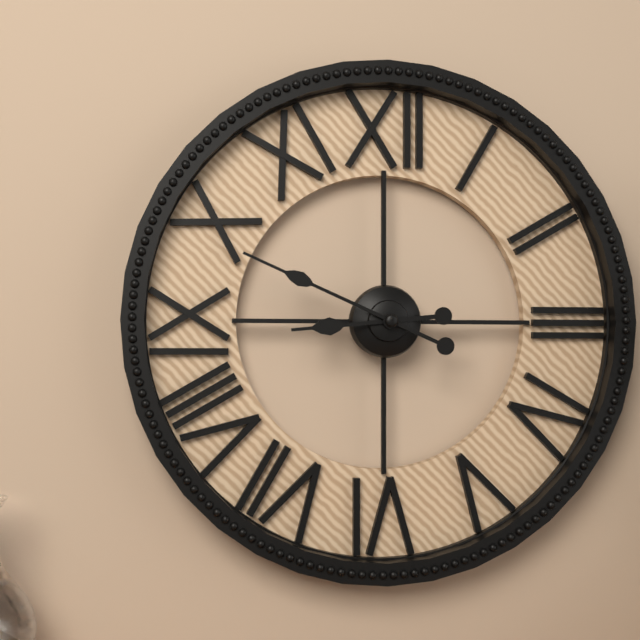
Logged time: h=8 m=49
